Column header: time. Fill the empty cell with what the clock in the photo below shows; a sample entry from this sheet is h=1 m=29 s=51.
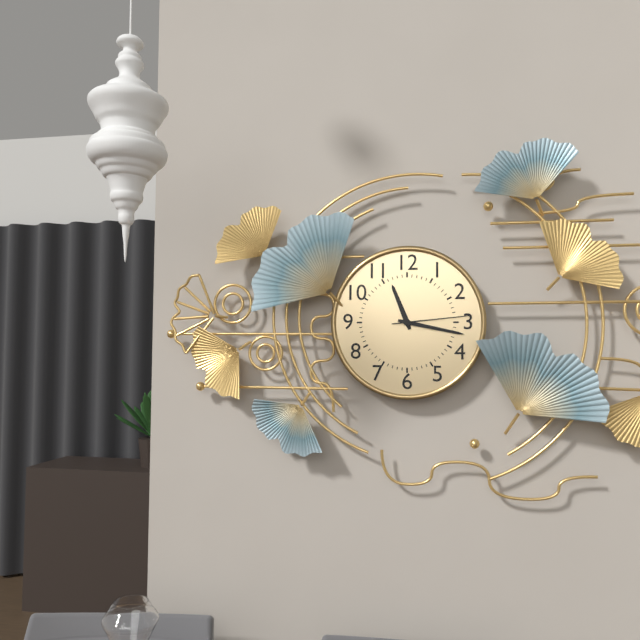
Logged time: h=11 m=17 s=14
